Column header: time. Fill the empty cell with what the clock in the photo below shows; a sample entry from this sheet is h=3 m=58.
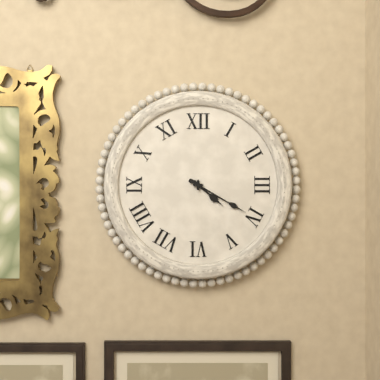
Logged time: h=4 m=20
